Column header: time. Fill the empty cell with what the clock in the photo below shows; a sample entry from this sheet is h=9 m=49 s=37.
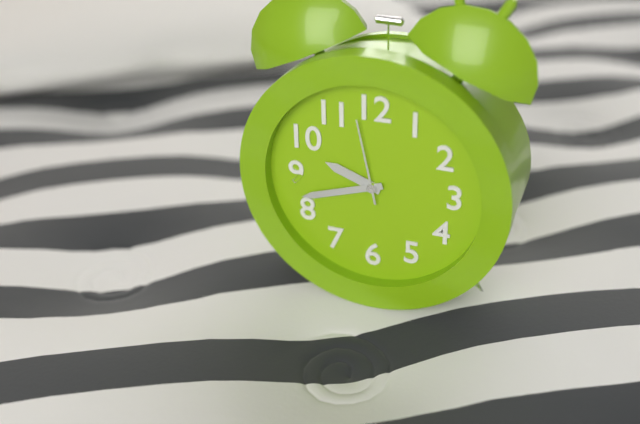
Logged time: h=9 m=42 s=58
